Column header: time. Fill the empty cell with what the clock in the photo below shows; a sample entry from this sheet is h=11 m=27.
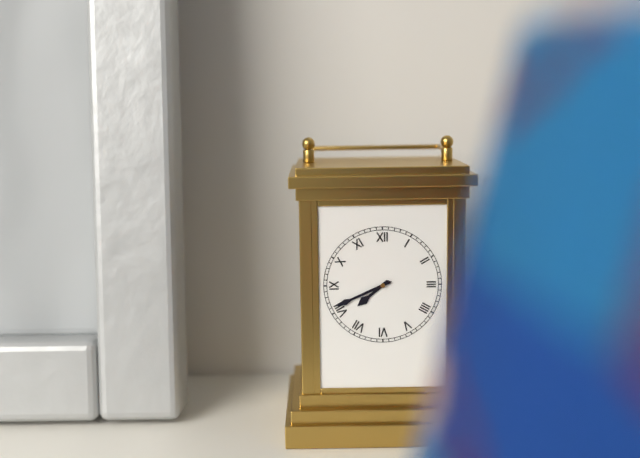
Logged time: h=7 m=41
